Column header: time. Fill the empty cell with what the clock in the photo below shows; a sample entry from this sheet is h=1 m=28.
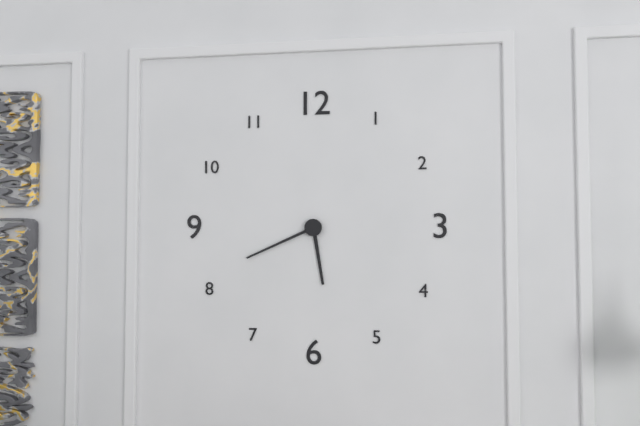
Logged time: h=5 m=41
